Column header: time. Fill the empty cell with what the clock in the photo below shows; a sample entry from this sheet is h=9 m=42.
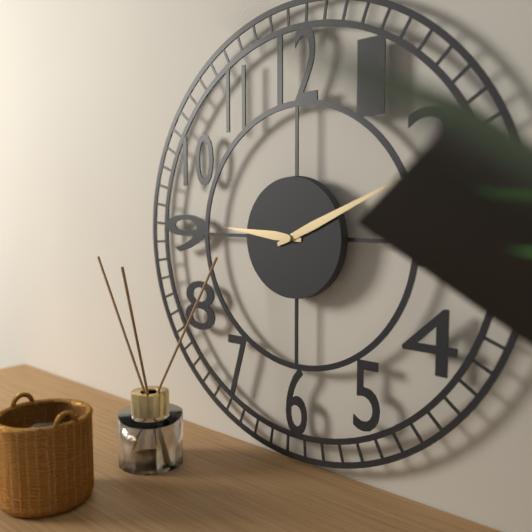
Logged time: h=9 m=11
